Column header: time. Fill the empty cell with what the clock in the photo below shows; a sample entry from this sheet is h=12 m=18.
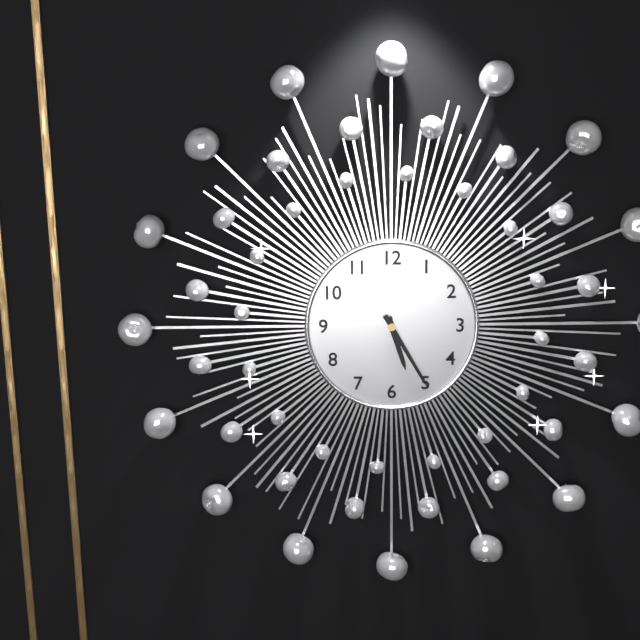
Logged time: h=5 m=25
